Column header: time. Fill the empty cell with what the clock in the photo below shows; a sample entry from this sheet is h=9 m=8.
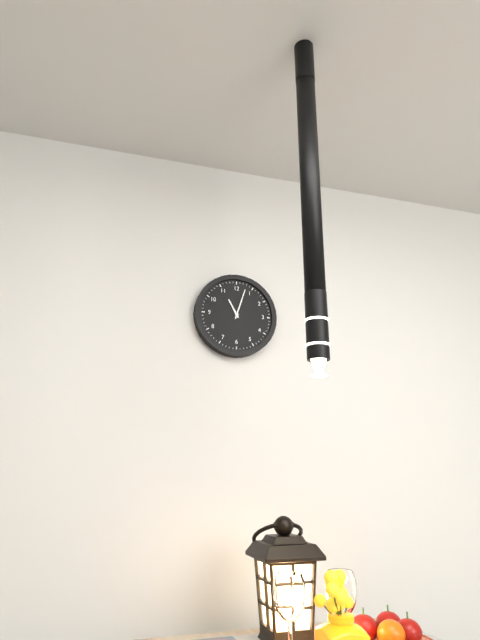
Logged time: h=11 m=3
